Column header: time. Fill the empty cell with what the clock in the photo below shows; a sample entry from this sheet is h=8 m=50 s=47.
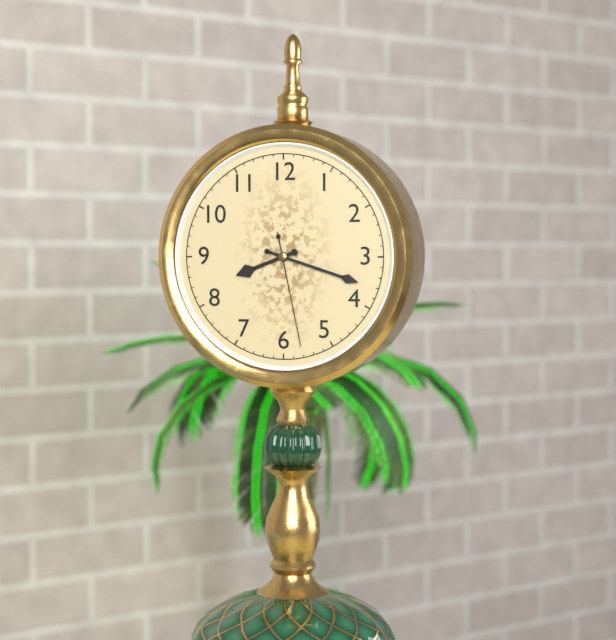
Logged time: h=8 m=18 s=28
